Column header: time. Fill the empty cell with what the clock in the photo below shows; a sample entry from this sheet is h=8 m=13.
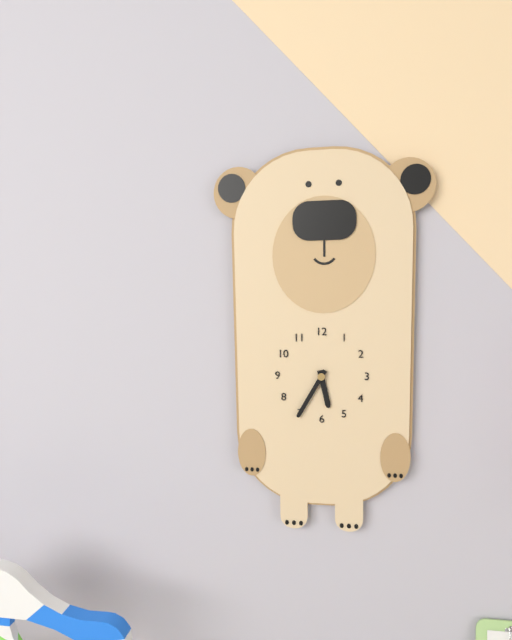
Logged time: h=5 m=35
